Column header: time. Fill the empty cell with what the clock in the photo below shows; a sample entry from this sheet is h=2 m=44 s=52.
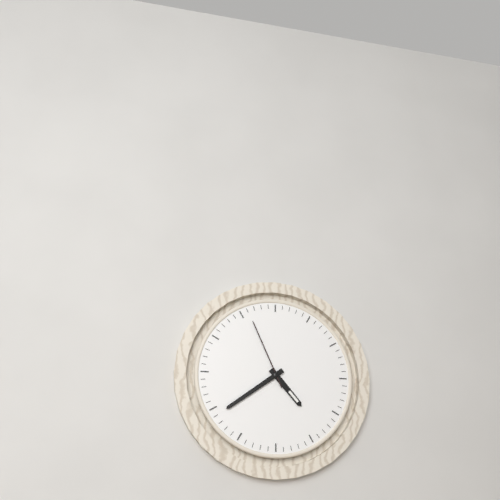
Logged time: h=4 m=39 s=56
